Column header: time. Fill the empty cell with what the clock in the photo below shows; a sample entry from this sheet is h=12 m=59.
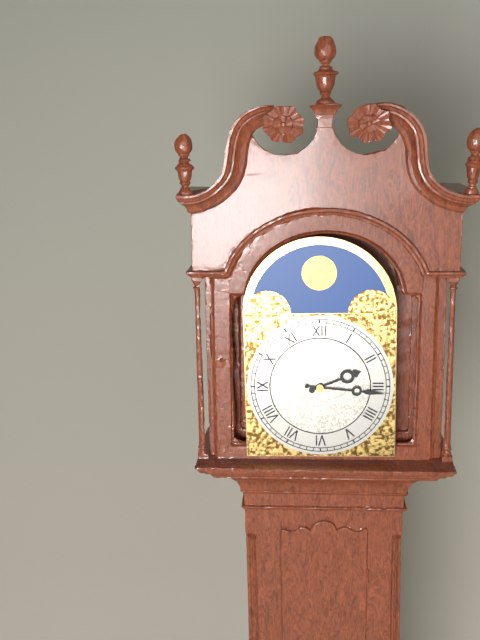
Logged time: h=2 m=16
